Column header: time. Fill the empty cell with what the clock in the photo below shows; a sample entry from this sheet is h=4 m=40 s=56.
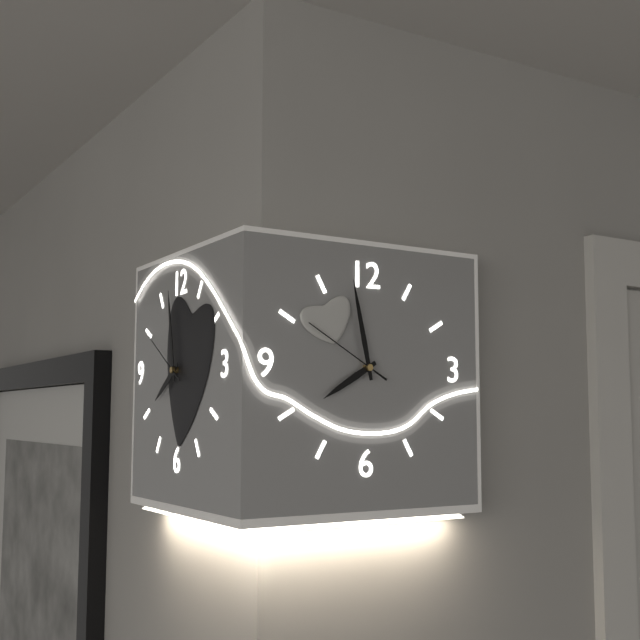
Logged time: h=7 m=58 s=50
